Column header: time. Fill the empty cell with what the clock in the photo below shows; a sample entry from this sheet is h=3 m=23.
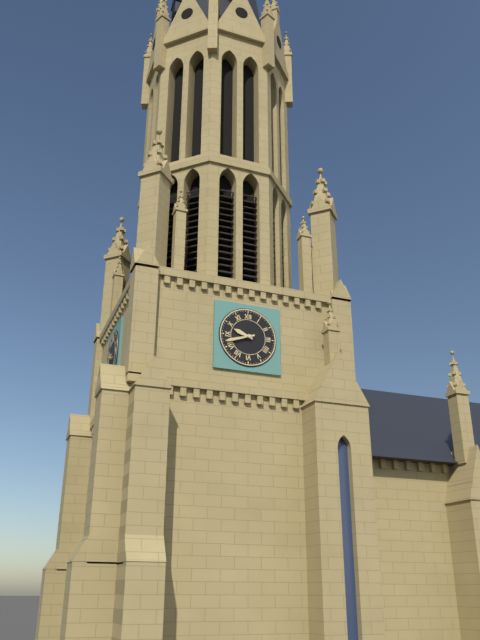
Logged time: h=9 m=42
